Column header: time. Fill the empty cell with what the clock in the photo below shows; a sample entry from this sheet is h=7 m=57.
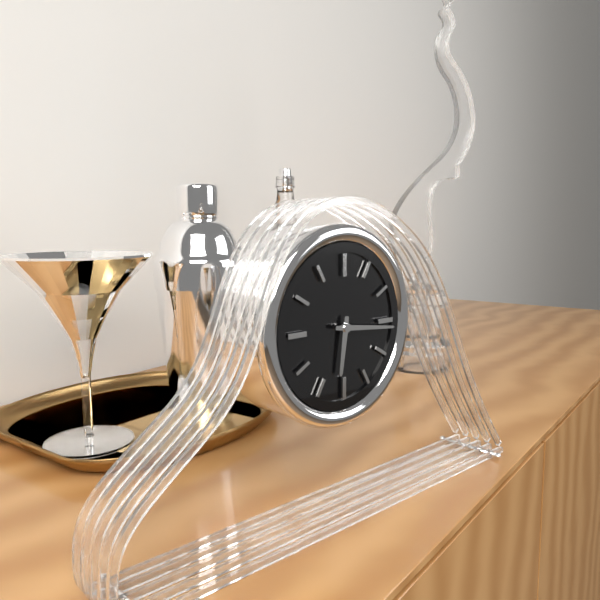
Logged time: h=6 m=16
